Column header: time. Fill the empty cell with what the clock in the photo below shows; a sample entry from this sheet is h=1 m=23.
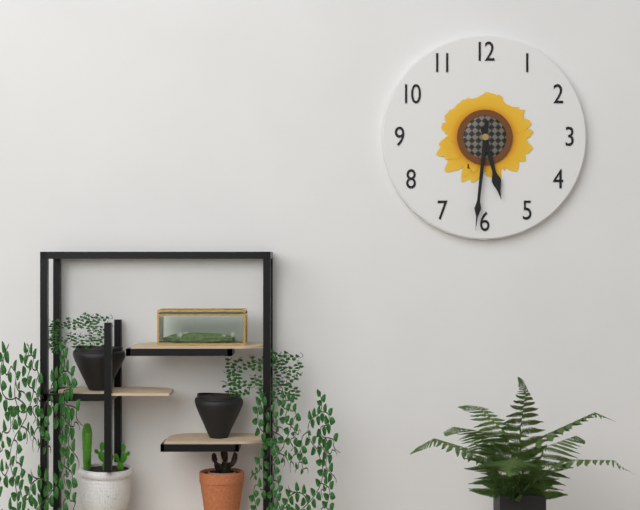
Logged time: h=5 m=31
